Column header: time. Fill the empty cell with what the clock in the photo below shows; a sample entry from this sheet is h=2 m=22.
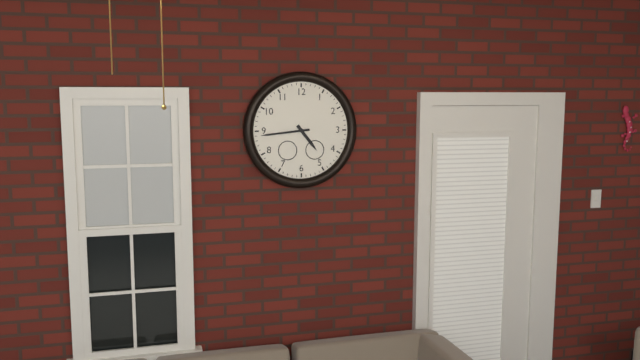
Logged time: h=4 m=44
